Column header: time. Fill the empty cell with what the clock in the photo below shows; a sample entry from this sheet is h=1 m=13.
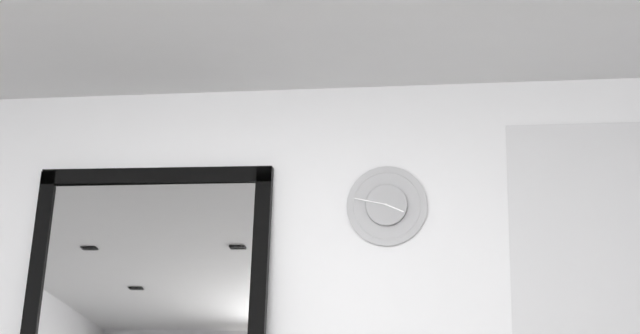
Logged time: h=3 m=47
